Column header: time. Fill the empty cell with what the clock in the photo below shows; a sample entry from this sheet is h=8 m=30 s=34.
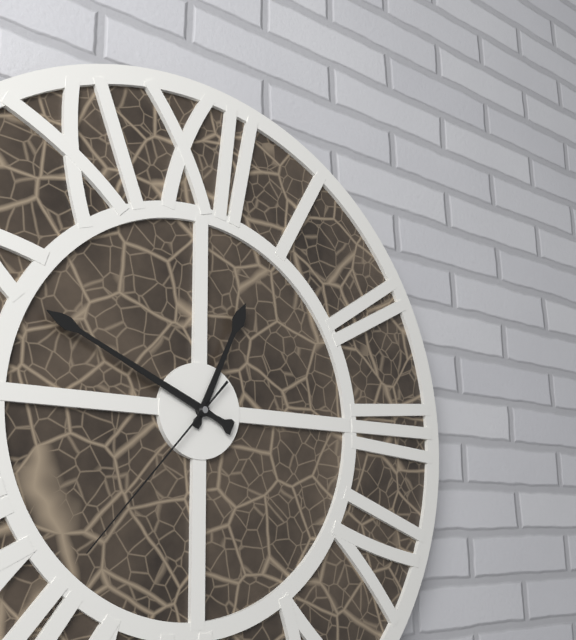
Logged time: h=12 m=49 s=37
